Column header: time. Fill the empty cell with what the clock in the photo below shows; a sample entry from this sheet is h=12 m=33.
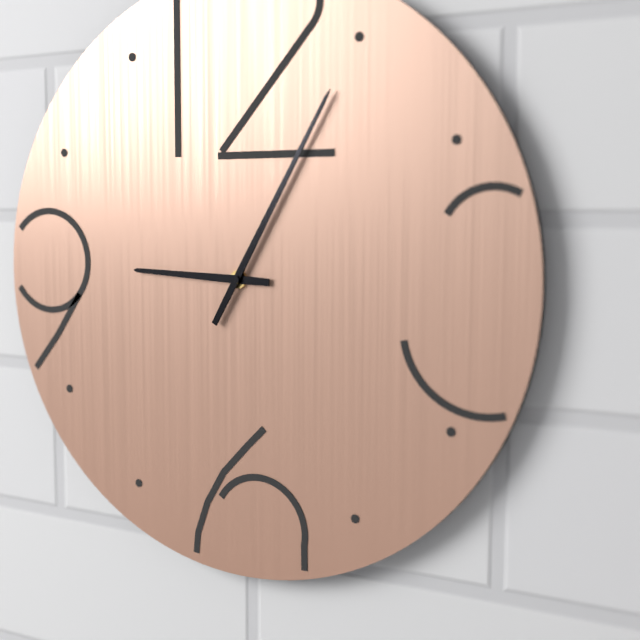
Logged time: h=9 m=5
